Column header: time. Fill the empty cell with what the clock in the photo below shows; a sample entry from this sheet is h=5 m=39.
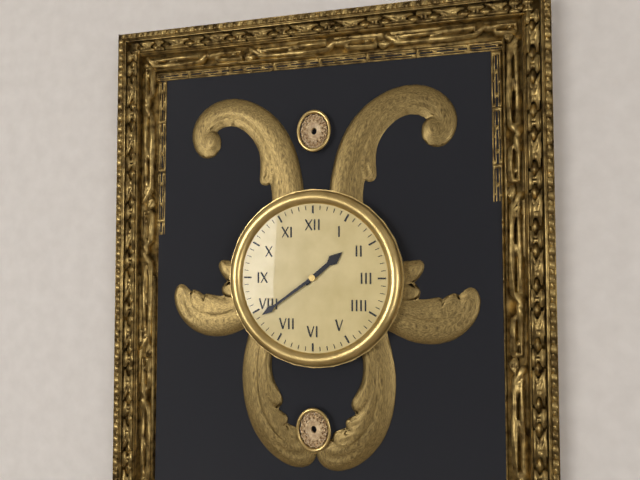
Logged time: h=1 m=39
